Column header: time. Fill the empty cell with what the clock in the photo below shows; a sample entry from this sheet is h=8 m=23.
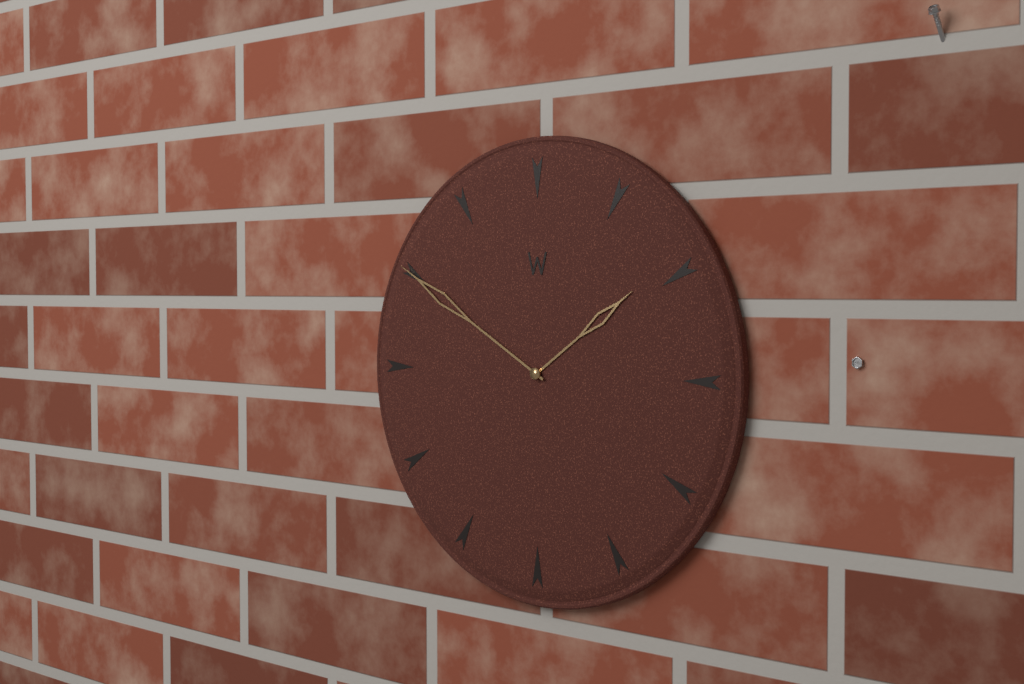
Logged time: h=1 m=50
